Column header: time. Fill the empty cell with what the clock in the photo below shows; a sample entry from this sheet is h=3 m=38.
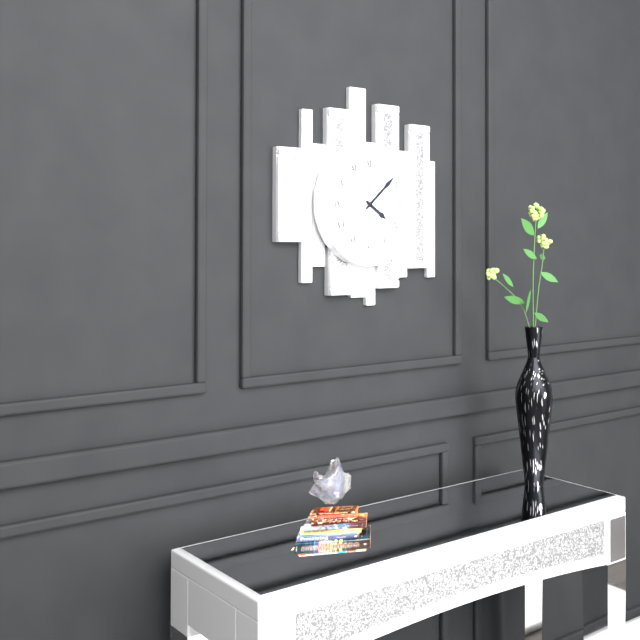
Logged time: h=4 m=8
